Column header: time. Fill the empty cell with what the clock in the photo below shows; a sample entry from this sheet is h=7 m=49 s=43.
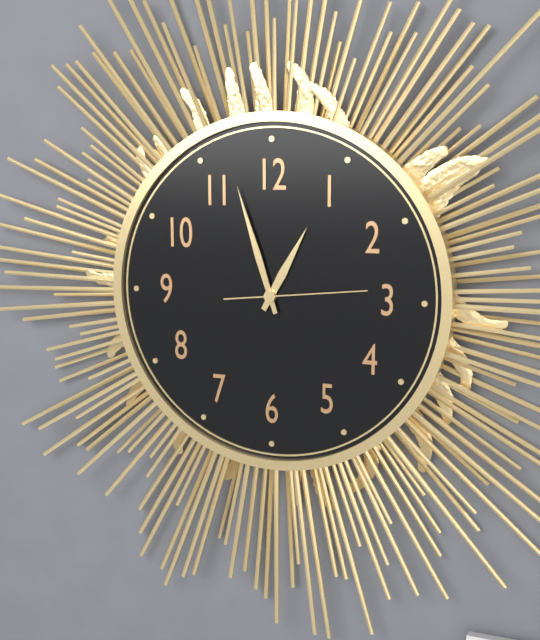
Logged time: h=12 m=57 s=14
